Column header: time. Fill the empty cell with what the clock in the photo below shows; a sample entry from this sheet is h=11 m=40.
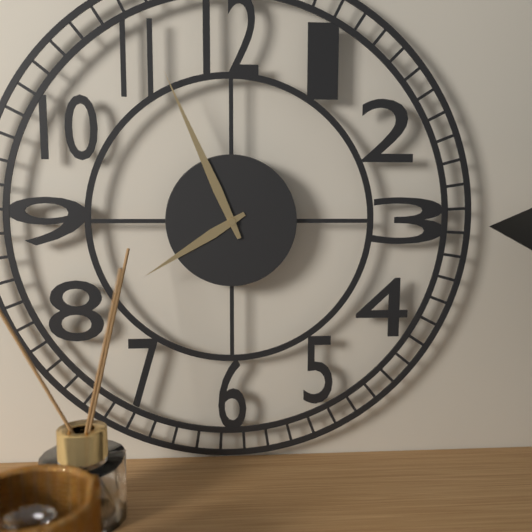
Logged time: h=7 m=56
